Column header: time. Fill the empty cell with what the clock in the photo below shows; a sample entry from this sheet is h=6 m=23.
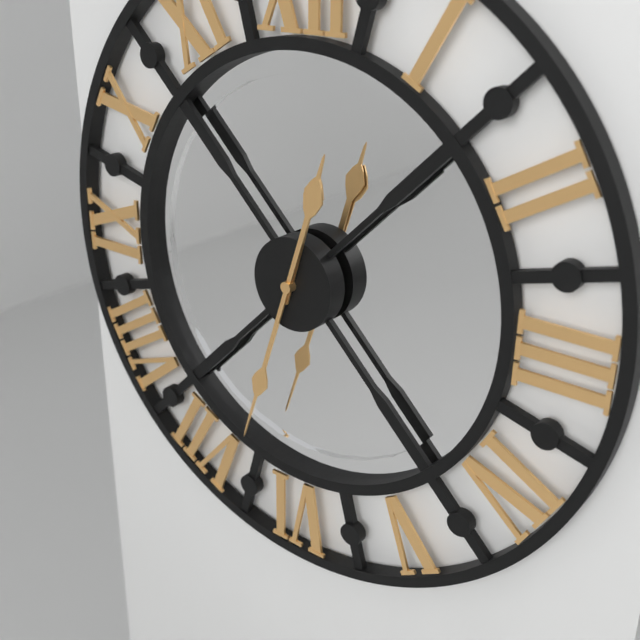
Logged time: h=12 m=33
